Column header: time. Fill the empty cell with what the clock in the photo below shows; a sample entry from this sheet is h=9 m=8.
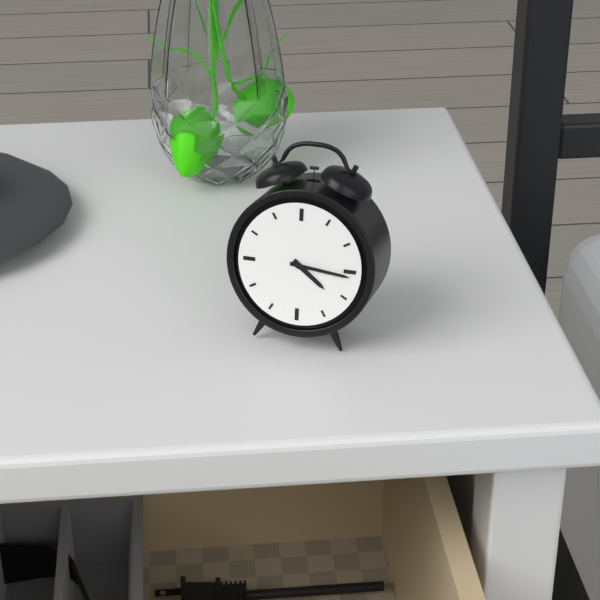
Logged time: h=4 m=16
